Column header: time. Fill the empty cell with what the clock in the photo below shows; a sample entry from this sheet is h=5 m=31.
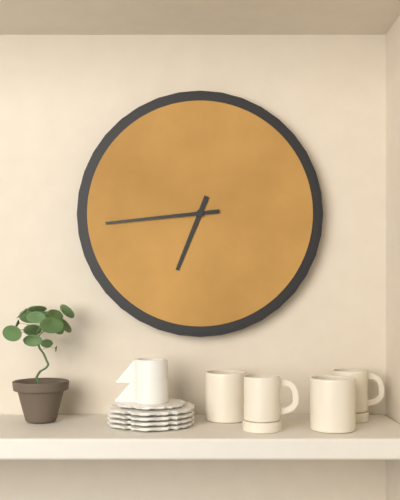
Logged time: h=6 m=44
